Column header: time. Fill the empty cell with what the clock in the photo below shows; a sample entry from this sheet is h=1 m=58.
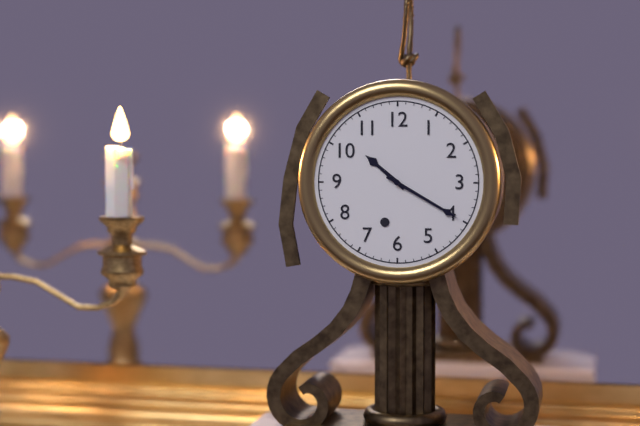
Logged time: h=10 m=20
